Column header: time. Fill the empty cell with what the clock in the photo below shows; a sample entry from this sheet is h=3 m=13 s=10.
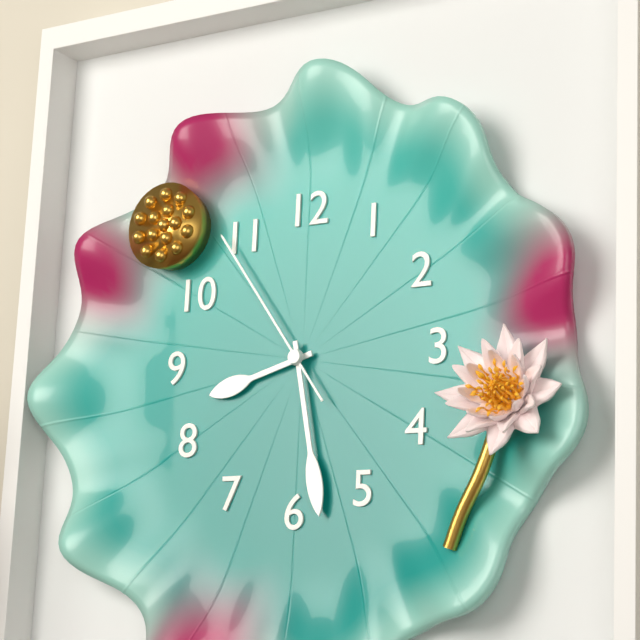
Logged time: h=8 m=28 s=54
